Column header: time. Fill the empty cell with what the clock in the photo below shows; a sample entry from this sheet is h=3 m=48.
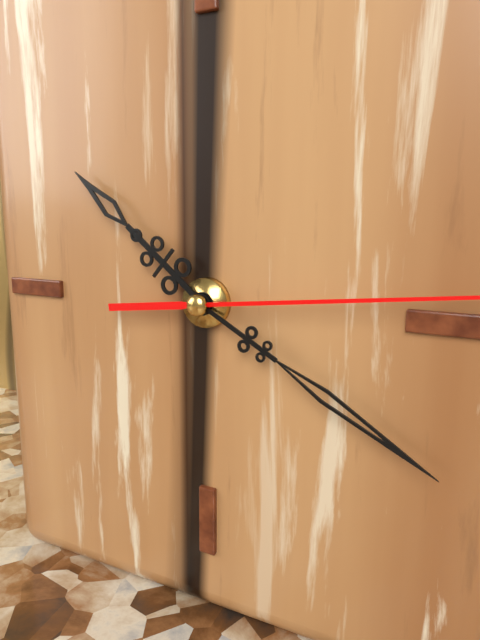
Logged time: h=10 m=20
